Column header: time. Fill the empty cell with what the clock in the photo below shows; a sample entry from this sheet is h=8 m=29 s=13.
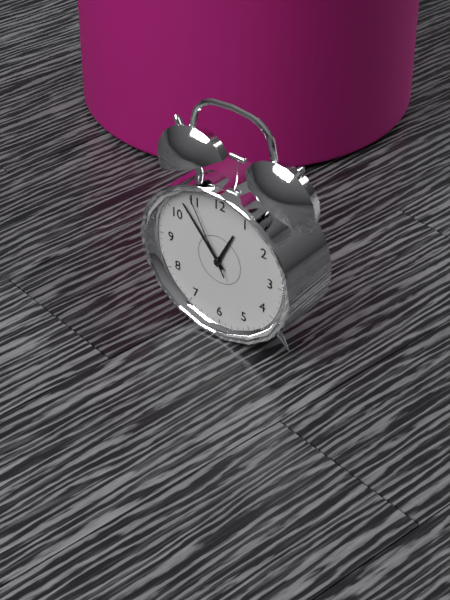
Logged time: h=12 m=53 s=55
